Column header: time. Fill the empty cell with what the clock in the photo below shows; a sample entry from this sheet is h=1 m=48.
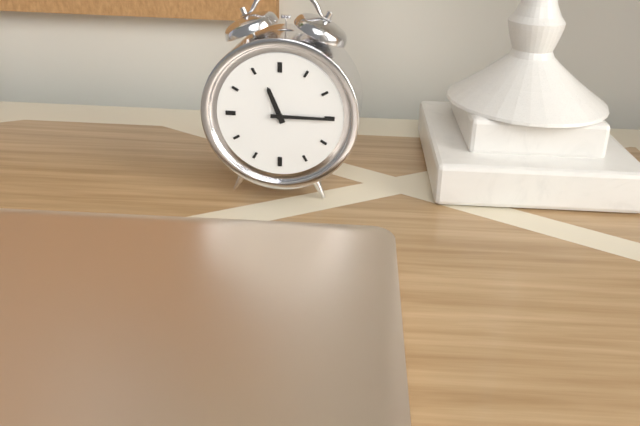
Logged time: h=11 m=15
